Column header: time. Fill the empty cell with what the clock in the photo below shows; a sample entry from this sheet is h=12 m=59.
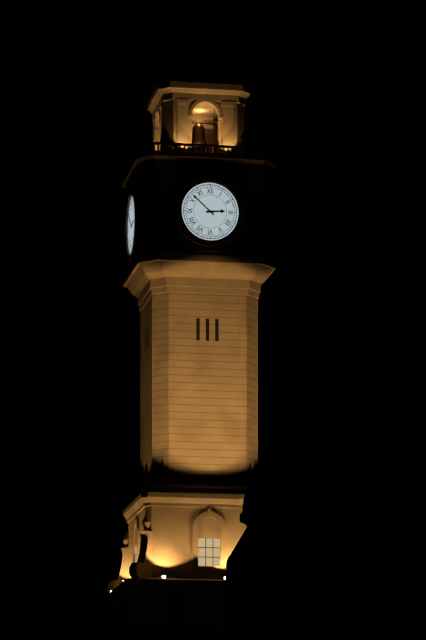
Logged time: h=2 m=52
